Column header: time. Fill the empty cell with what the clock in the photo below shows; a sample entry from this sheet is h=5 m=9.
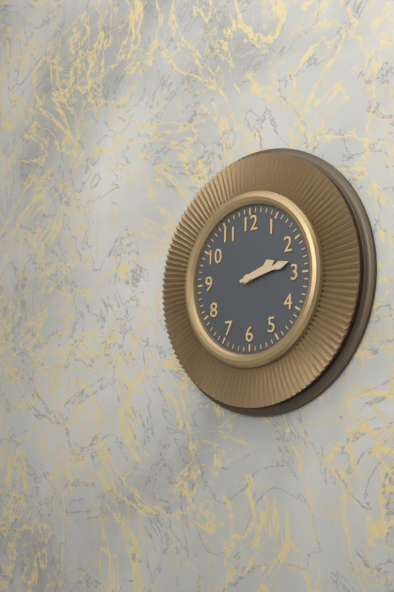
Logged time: h=2 m=13
